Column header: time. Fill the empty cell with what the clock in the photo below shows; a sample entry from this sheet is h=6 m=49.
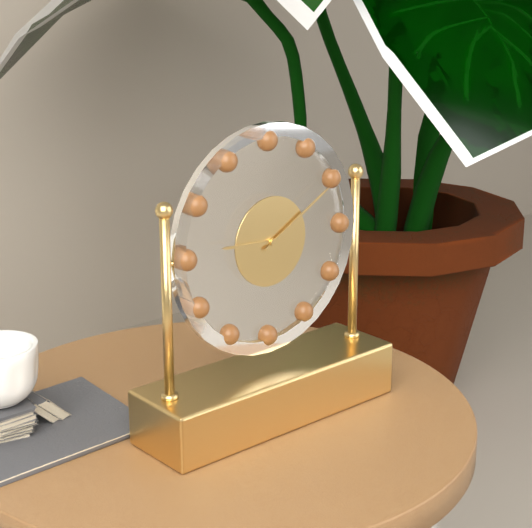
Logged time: h=9 m=10
